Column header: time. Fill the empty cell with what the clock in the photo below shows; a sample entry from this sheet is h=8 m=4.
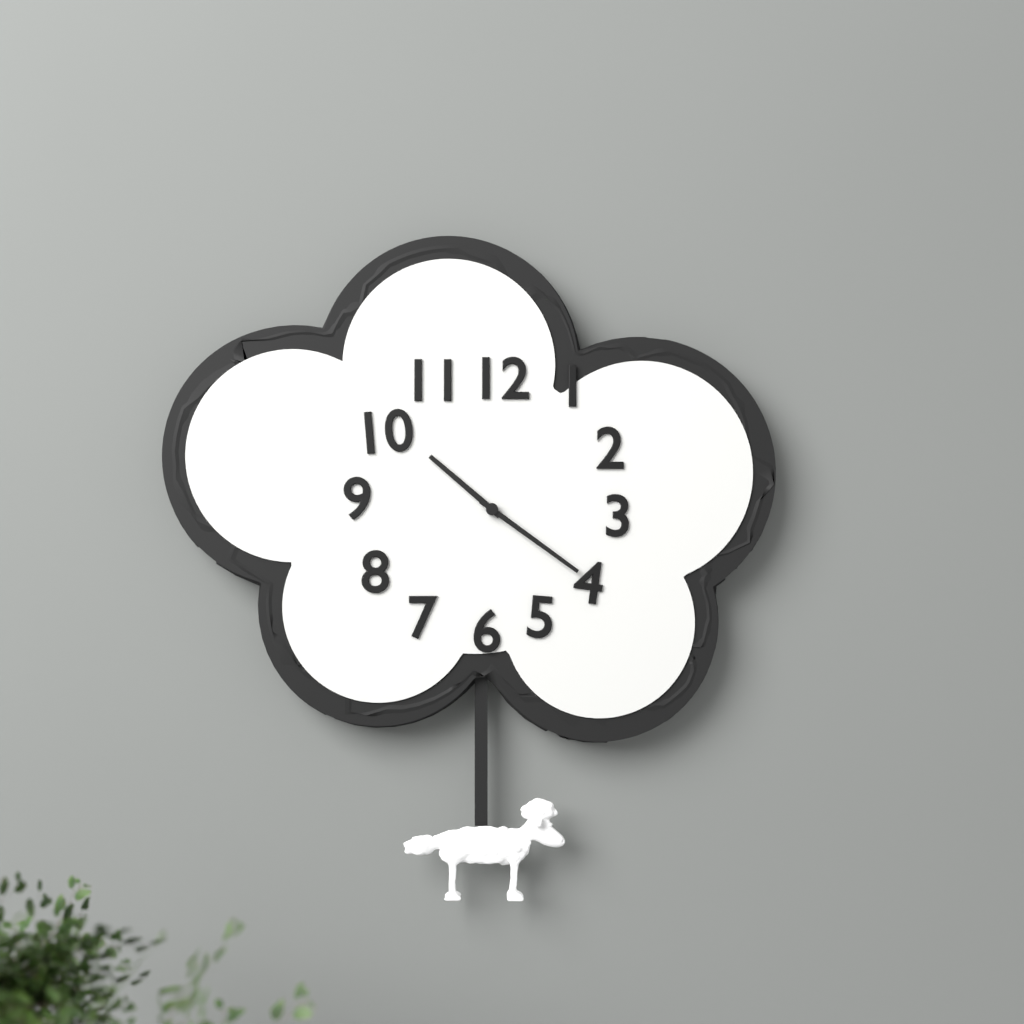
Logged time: h=10 m=21
